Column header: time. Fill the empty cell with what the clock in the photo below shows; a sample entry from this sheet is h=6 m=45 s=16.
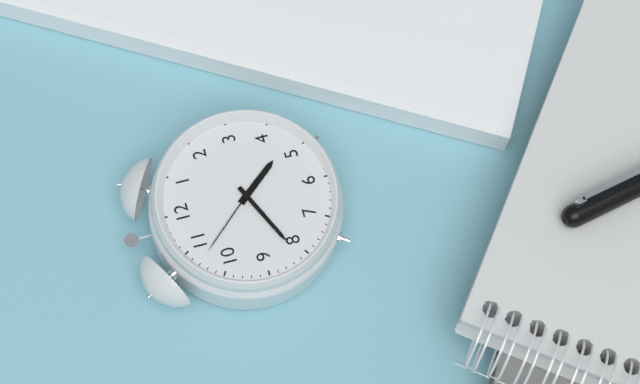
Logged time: h=4 m=41 s=53
